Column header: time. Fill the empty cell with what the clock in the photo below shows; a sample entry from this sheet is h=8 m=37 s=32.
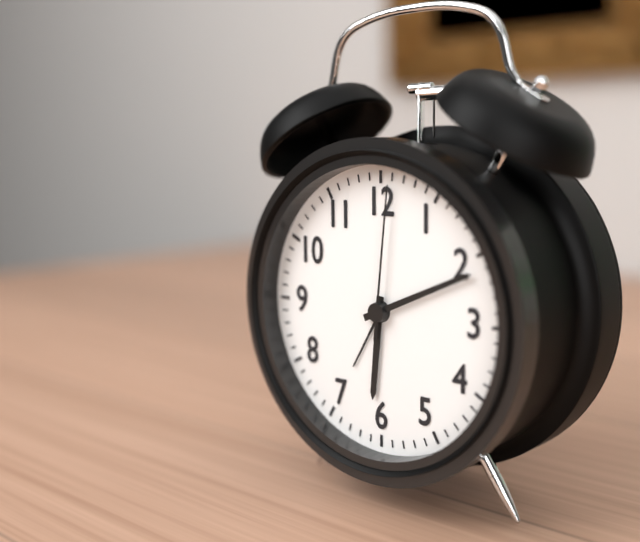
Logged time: h=6 m=11 s=1
